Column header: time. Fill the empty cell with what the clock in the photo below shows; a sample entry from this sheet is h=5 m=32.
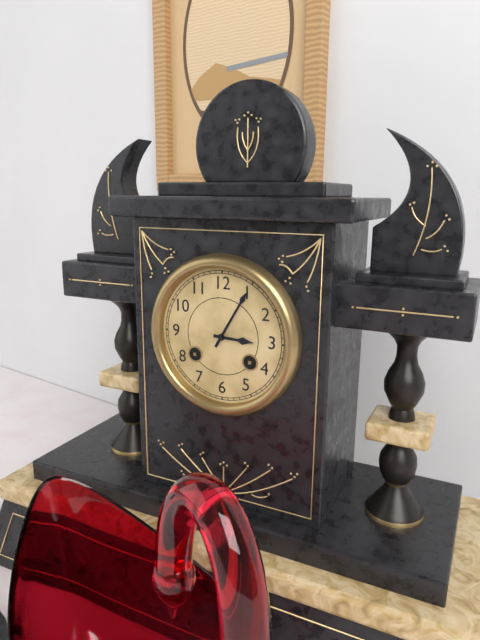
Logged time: h=3 m=5
